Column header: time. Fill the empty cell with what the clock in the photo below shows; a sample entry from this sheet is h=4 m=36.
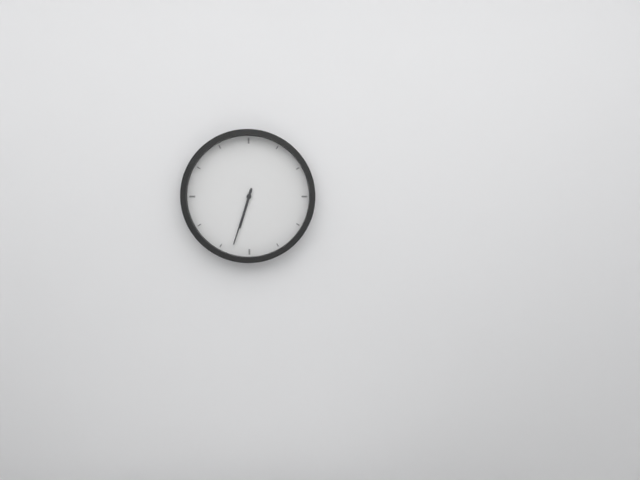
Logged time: h=6 m=33
